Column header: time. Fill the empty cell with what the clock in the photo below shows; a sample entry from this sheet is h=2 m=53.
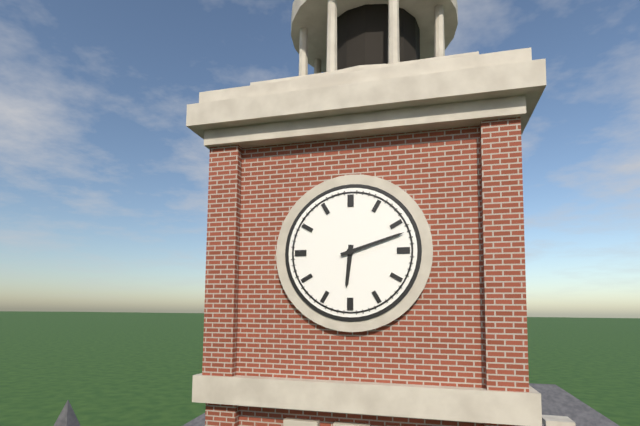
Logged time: h=6 m=12
